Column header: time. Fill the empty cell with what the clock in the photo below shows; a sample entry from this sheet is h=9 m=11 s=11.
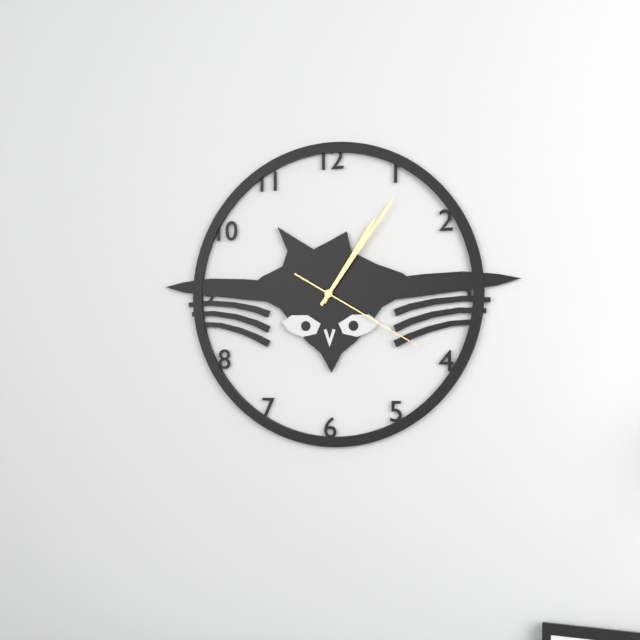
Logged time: h=1 m=6 s=20
